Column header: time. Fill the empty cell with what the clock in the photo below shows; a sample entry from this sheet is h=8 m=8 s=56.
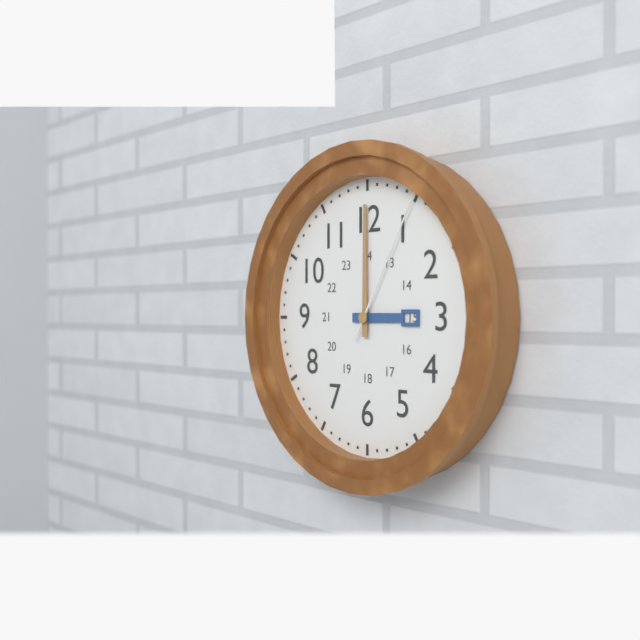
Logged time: h=3 m=0 s=5
